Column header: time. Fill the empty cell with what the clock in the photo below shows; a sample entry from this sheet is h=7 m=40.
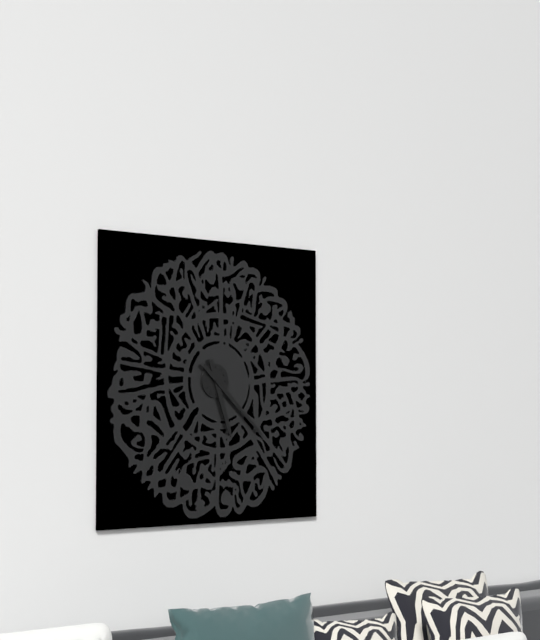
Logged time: h=5 m=22
